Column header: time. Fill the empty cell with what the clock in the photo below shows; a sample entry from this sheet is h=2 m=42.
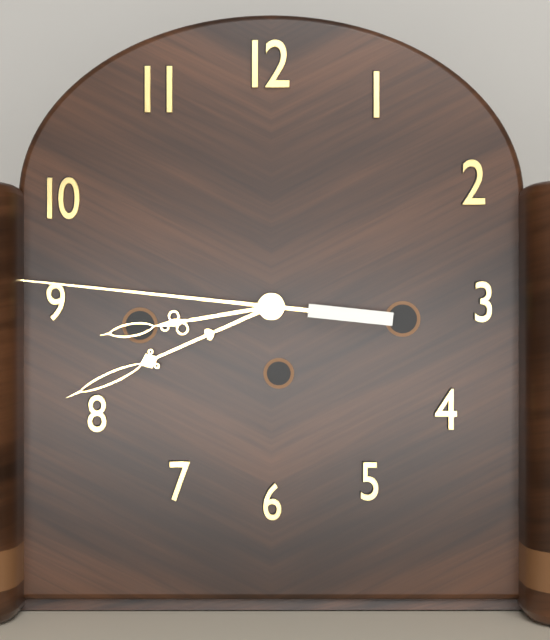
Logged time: h=8 m=41
